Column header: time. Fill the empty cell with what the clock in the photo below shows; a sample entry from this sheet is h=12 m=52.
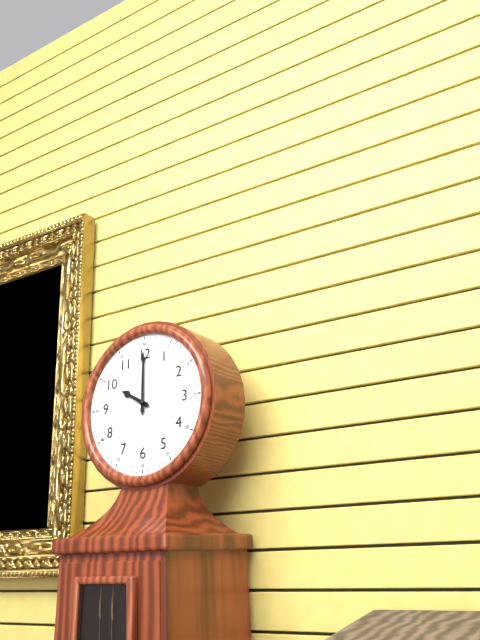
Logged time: h=10 m=0
